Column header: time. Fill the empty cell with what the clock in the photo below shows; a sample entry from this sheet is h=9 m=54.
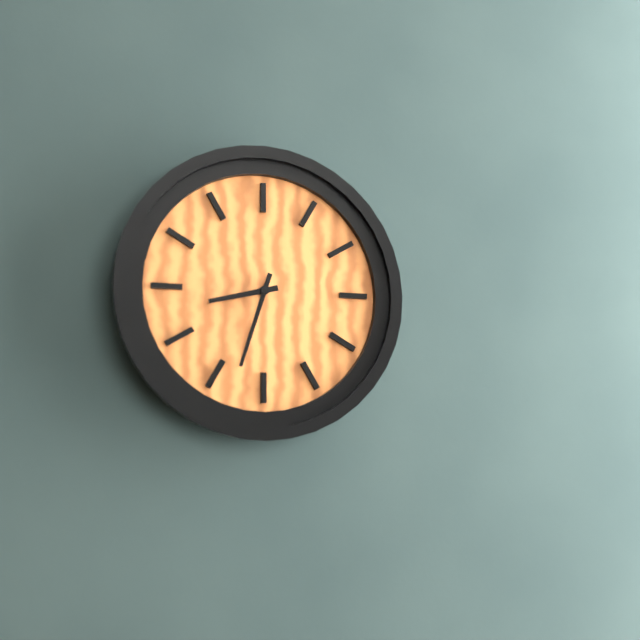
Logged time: h=8 m=33
